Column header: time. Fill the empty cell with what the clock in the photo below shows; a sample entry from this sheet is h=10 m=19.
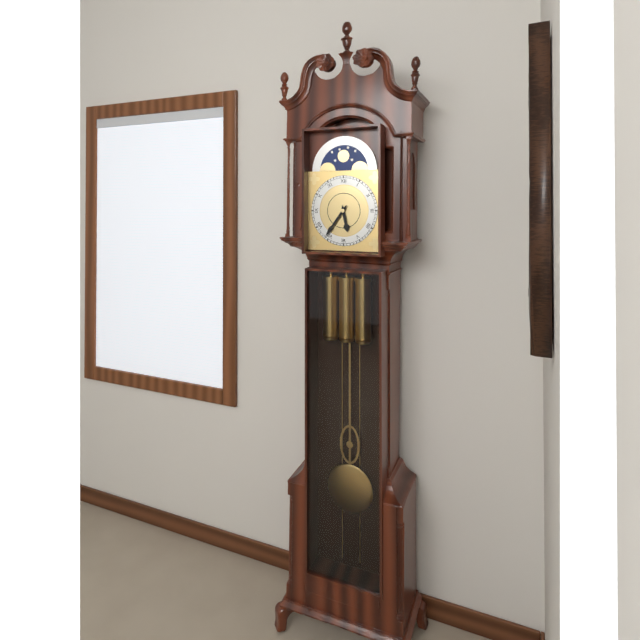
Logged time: h=5 m=36
